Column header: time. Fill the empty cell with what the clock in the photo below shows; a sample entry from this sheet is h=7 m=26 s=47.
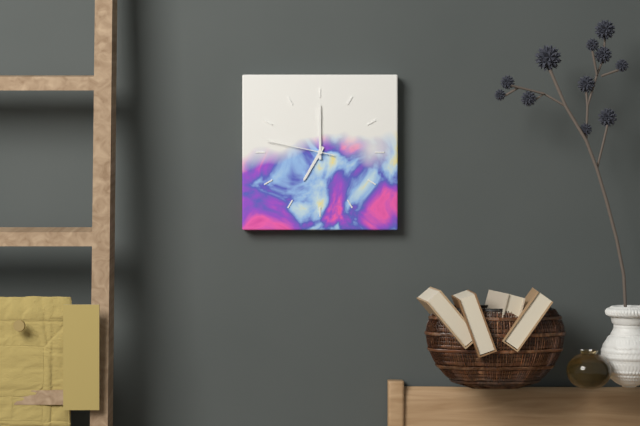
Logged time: h=7 m=0 s=47
